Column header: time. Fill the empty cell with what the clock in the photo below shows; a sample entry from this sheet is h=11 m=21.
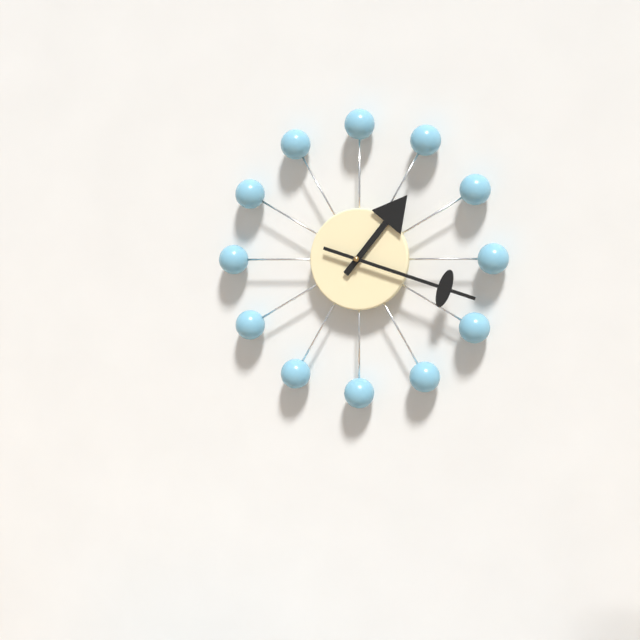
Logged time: h=1 m=18
